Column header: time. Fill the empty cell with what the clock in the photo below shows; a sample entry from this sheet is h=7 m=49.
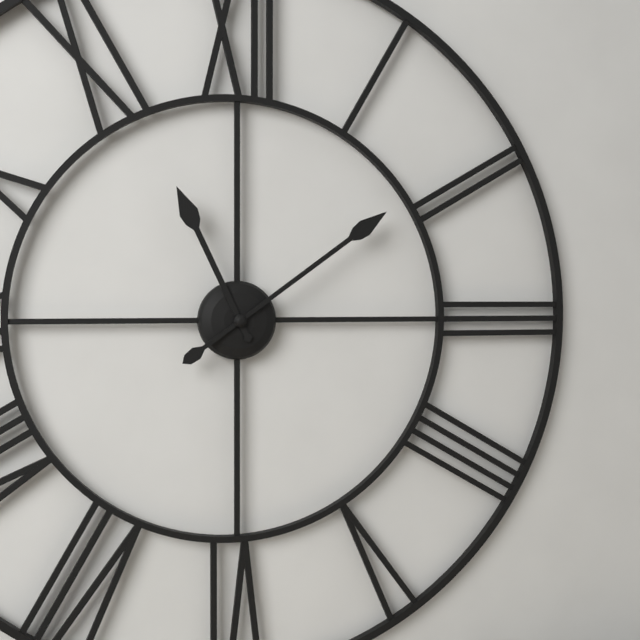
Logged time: h=11 m=9
